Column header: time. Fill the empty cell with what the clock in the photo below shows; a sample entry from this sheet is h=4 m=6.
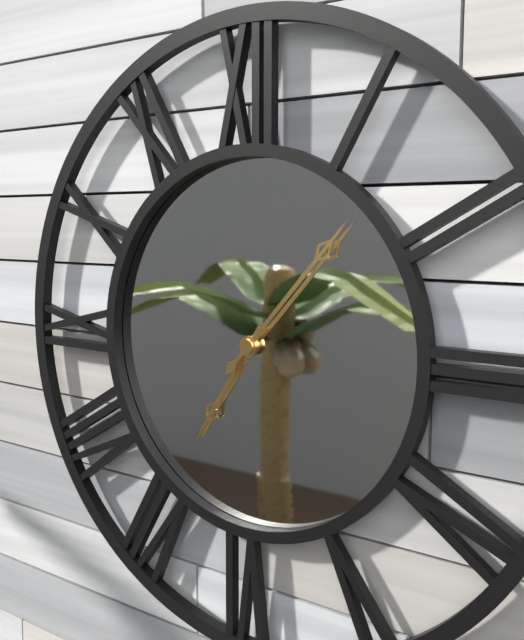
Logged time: h=7 m=7
